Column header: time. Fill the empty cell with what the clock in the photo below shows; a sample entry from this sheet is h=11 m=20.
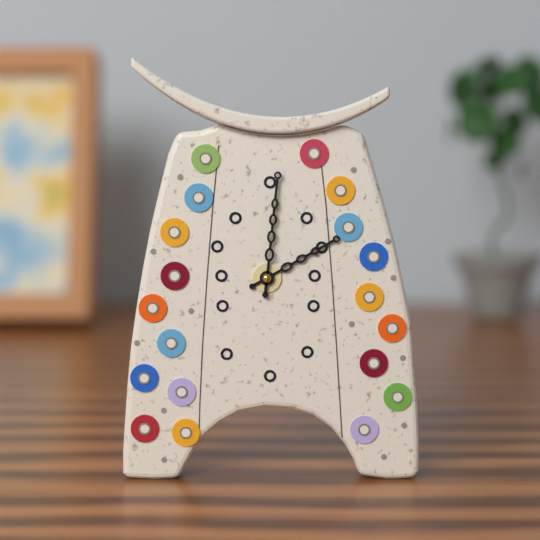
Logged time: h=2 m=1
